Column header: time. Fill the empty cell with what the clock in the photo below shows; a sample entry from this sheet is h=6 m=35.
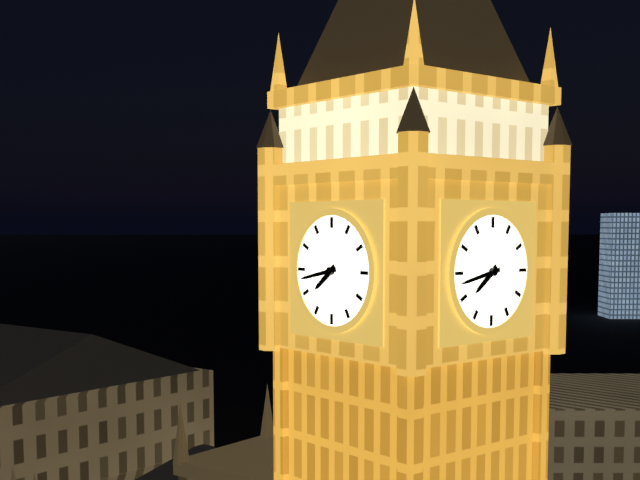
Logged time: h=7 m=43
